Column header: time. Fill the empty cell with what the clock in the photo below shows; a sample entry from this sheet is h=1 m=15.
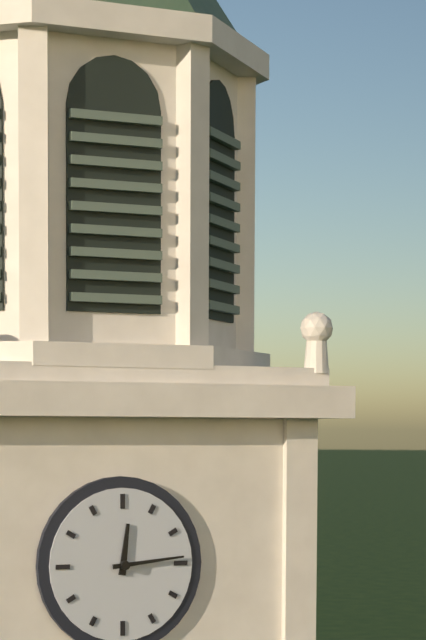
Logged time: h=12 m=14
